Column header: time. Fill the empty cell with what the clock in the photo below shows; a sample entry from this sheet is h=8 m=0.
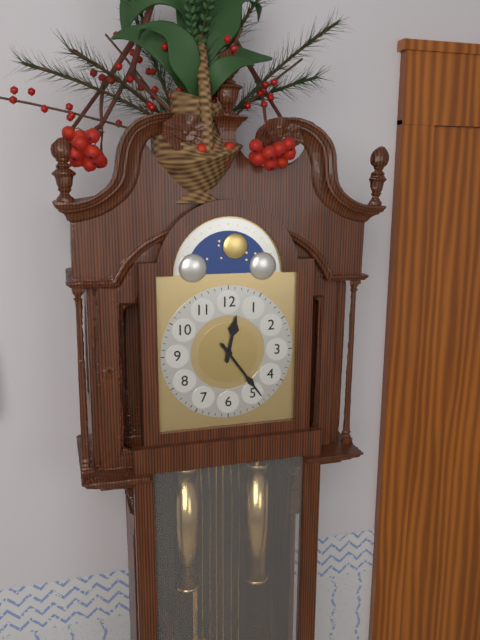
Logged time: h=12 m=24
